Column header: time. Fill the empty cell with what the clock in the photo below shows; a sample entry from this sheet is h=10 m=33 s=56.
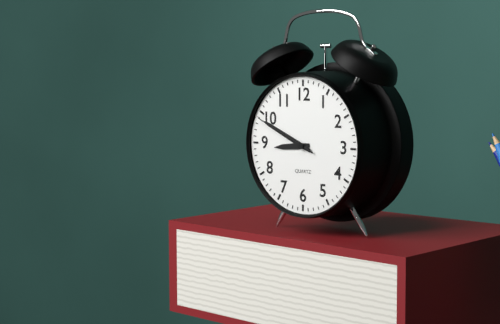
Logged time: h=8 m=49 s=49
